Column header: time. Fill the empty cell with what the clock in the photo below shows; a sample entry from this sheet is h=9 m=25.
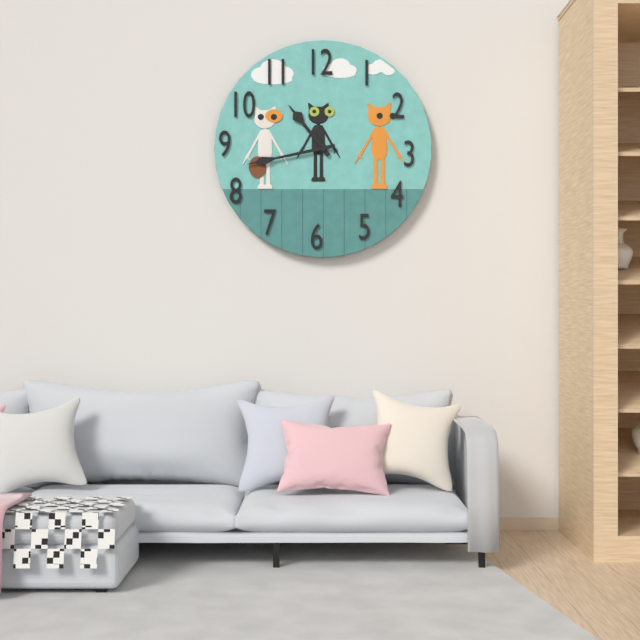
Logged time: h=10 m=43
